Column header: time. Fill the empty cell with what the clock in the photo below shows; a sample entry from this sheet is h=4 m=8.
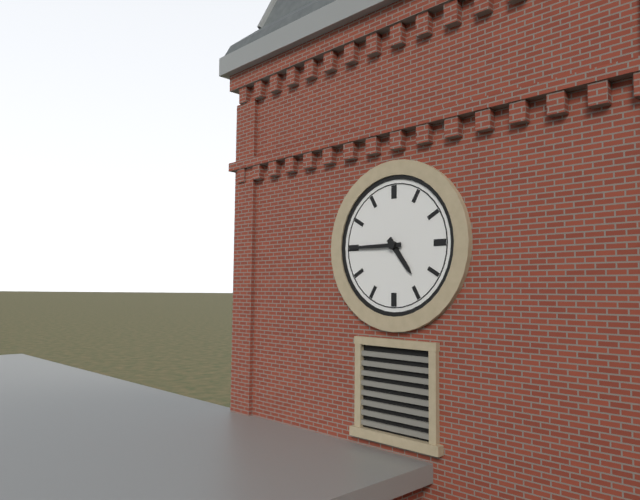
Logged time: h=4 m=45
